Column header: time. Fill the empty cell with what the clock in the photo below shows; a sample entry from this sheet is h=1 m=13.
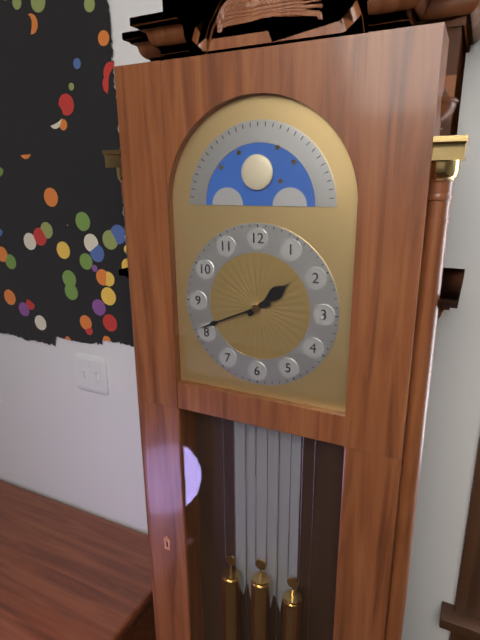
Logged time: h=1 m=41
